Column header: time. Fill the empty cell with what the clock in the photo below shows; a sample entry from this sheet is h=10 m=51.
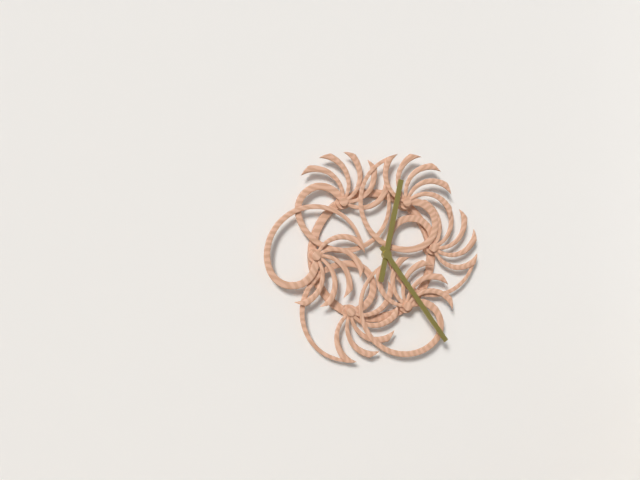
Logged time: h=12 m=24
